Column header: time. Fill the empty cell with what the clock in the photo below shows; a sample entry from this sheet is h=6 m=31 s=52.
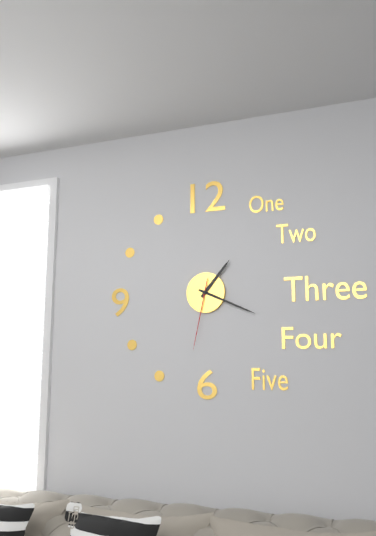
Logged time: h=1 m=19 s=32
